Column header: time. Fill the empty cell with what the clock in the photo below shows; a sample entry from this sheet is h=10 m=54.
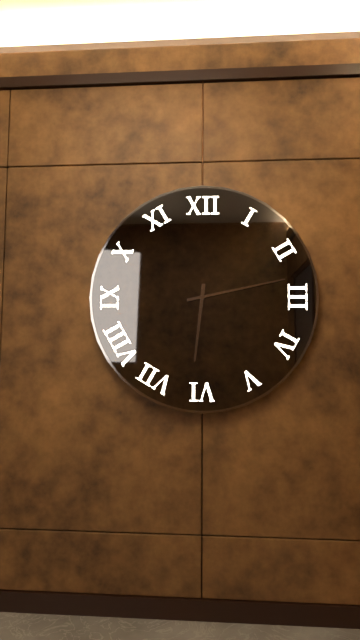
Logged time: h=6 m=13
